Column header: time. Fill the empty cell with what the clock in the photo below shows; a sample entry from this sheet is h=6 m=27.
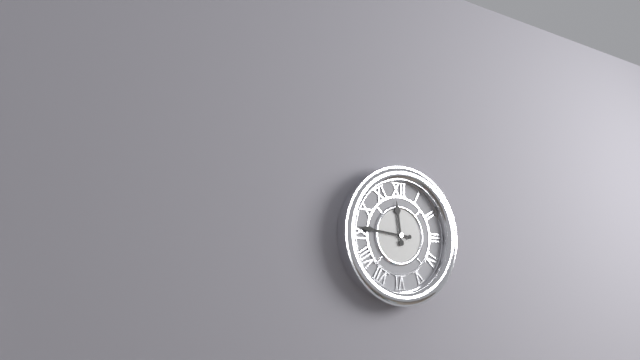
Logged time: h=11 m=46
